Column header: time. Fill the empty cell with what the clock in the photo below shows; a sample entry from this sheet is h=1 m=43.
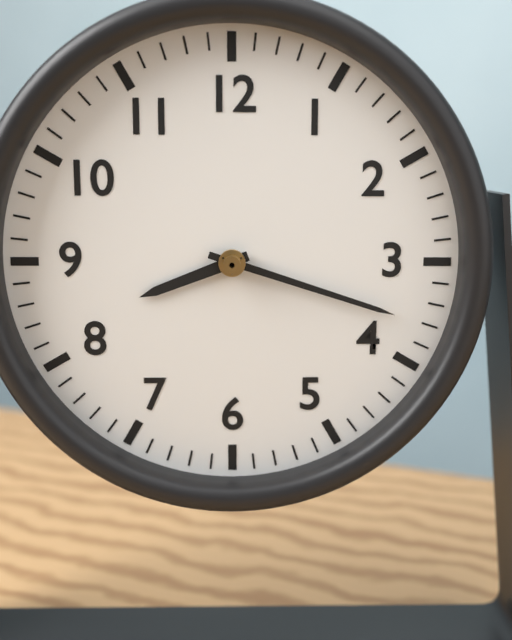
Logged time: h=8 m=18
